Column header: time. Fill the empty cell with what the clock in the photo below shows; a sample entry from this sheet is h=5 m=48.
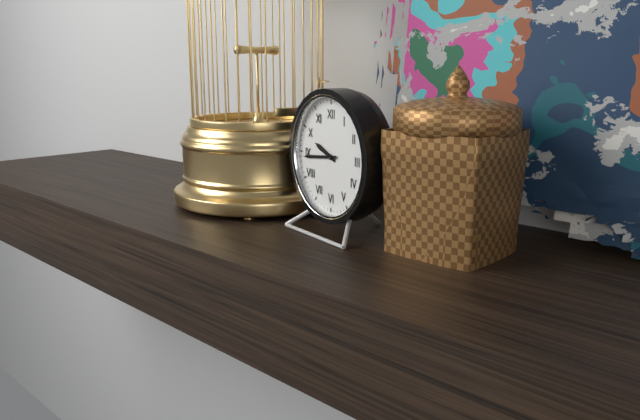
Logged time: h=9 m=44
